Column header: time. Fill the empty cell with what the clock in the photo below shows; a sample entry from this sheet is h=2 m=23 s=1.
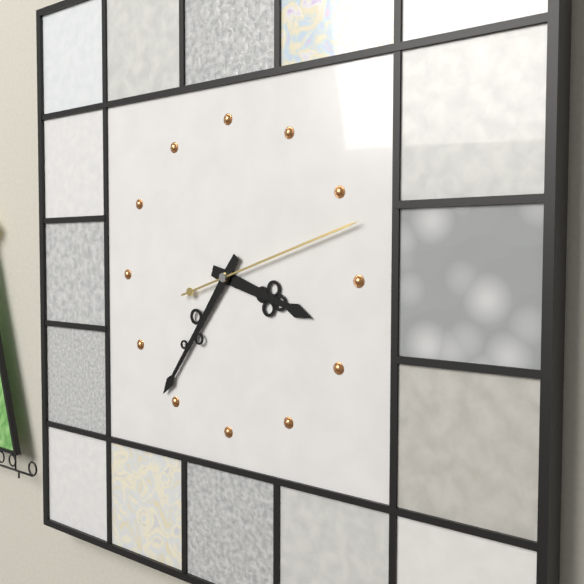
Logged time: h=3 m=36 s=12
